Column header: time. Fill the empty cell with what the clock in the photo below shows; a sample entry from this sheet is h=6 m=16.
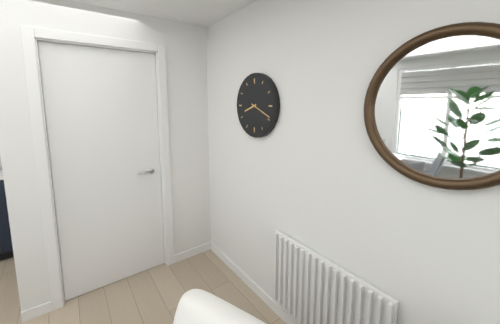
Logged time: h=8 m=19
